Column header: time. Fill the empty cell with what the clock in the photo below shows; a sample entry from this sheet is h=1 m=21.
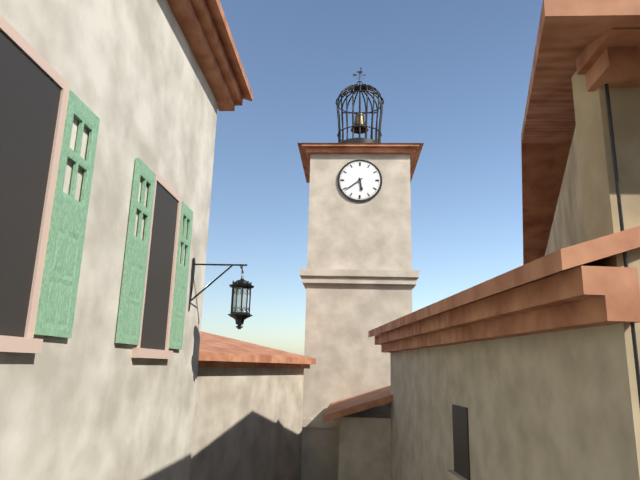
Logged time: h=5 m=39
